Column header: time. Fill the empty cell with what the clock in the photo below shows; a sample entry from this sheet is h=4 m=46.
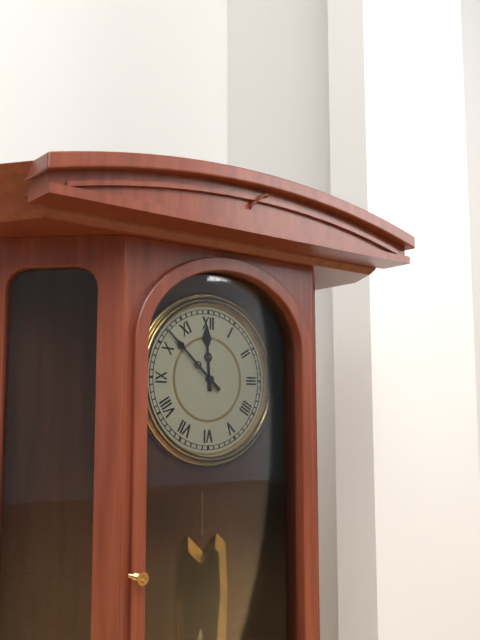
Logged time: h=11 m=52
